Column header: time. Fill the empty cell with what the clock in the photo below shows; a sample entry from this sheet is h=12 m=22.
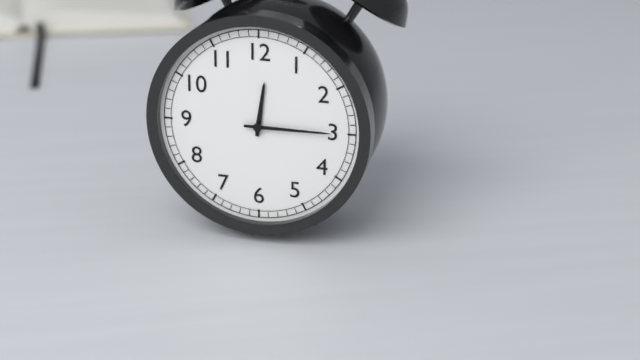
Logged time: h=12 m=15
